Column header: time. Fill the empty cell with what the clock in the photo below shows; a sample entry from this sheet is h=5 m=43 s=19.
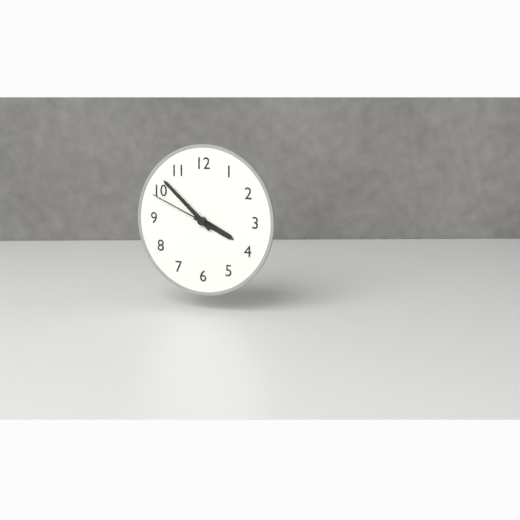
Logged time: h=3 m=52 s=49
